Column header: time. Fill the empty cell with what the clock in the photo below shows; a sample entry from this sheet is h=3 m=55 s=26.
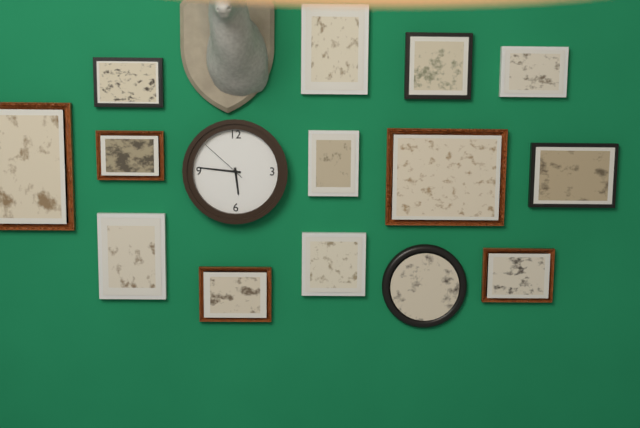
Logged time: h=5 m=46 s=52
